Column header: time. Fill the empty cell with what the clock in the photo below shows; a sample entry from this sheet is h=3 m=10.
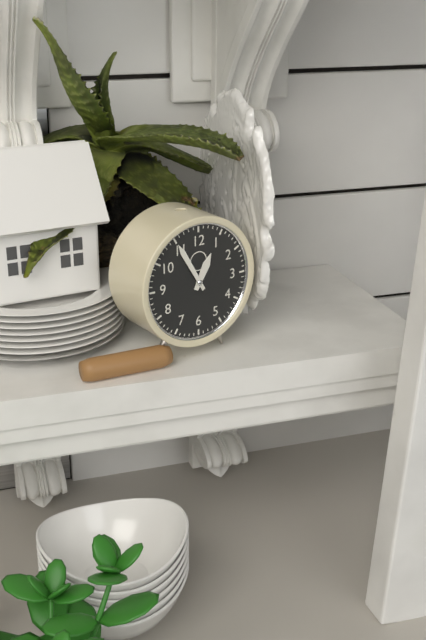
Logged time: h=12 m=55
